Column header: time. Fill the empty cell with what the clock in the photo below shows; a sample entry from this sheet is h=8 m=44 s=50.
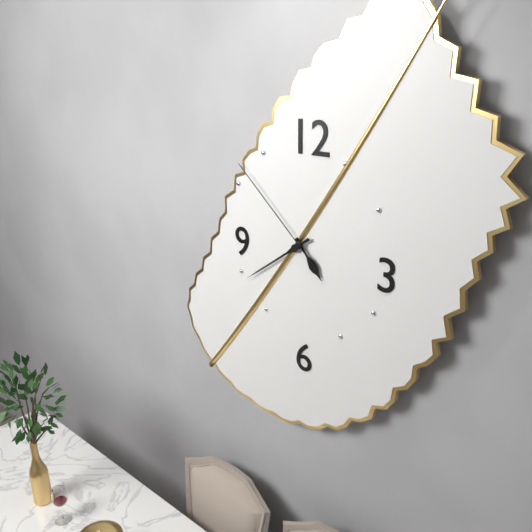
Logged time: h=4 m=39 s=52
